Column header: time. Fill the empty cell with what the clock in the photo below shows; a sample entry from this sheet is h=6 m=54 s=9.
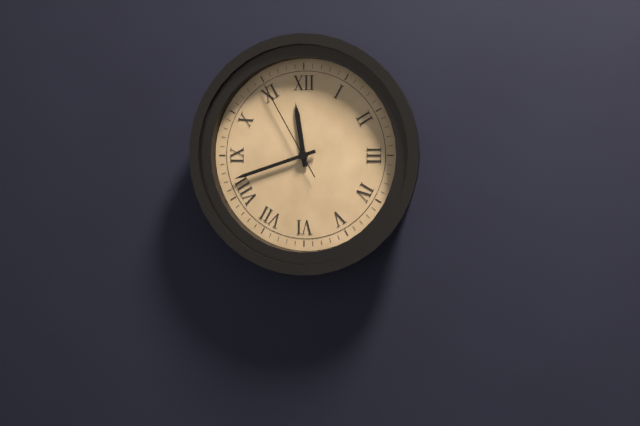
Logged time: h=11 m=42 s=55
